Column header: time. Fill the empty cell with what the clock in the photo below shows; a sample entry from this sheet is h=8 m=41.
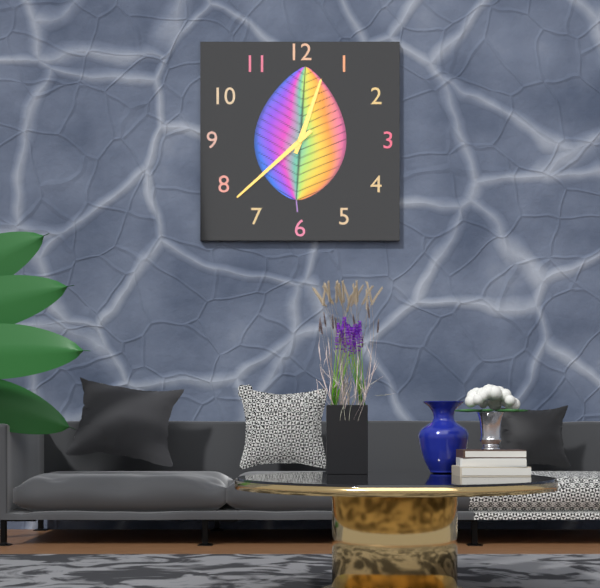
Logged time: h=12 m=38
